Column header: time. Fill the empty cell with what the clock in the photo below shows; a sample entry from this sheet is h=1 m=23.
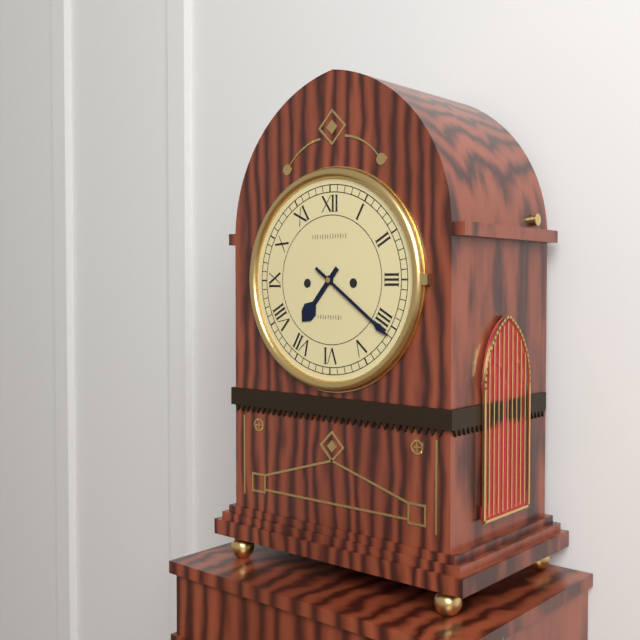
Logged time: h=7 m=21
